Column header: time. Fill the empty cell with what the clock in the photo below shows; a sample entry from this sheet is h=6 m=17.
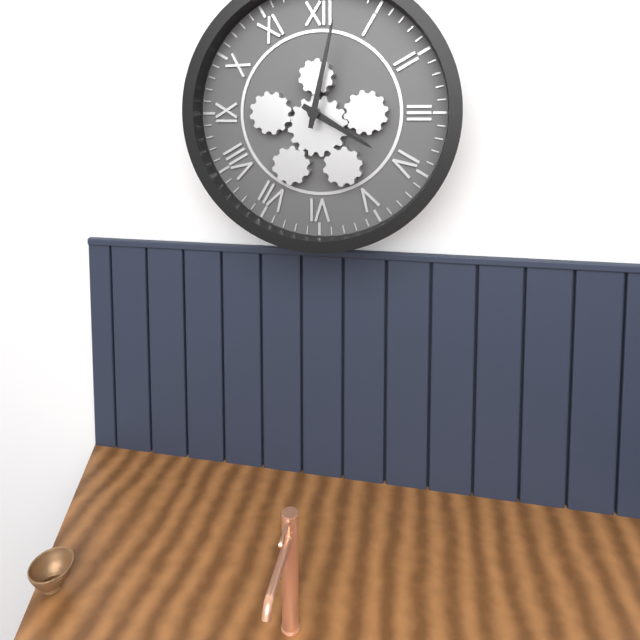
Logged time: h=4 m=2
